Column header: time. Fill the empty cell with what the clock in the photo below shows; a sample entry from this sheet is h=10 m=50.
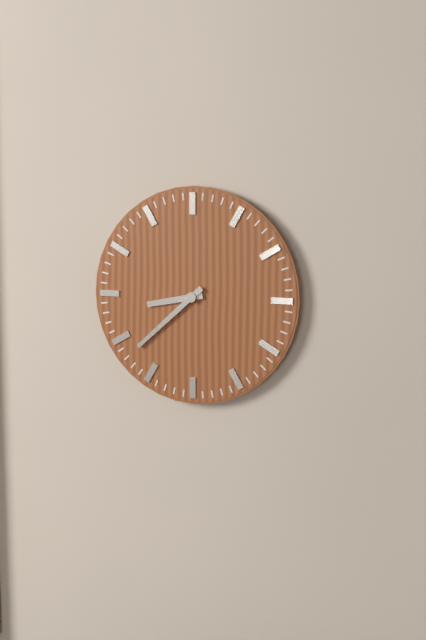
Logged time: h=8 m=38
